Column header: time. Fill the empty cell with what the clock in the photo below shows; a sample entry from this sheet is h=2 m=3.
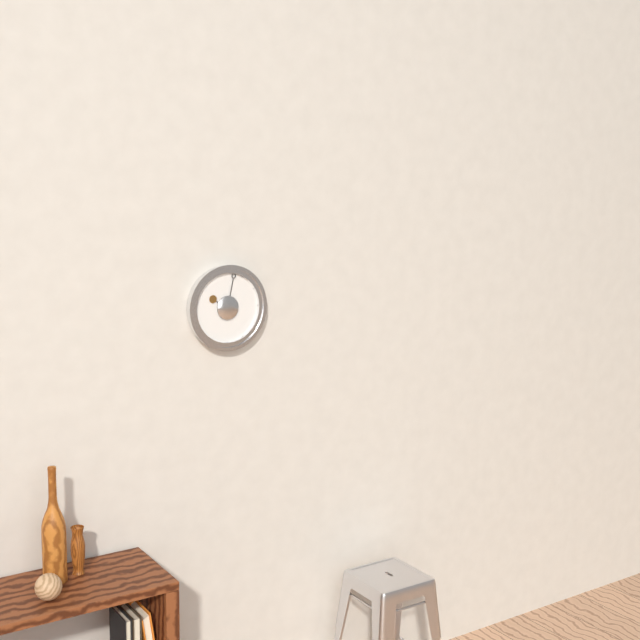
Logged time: h=10 m=2
